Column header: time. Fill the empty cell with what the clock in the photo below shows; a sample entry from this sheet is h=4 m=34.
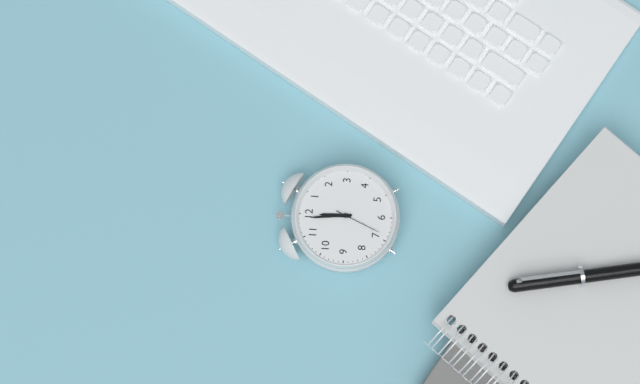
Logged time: h=11 m=59
